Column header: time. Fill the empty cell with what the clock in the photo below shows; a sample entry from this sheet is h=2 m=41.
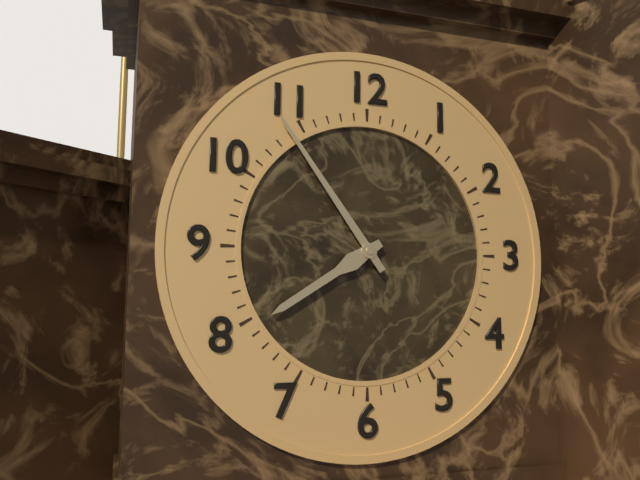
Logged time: h=7 m=54
